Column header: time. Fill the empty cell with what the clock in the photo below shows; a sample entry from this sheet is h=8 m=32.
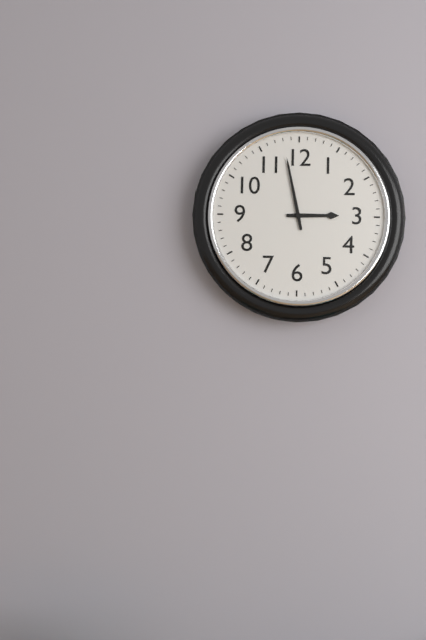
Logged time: h=2 m=58
